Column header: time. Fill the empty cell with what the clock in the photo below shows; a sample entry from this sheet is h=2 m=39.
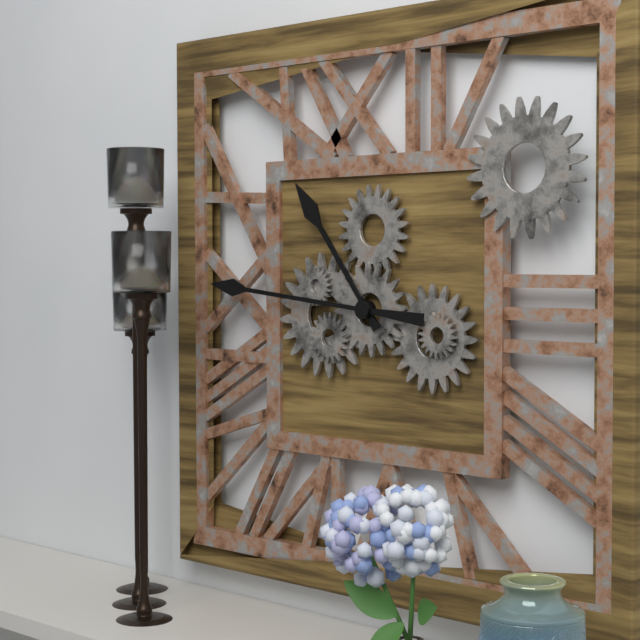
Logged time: h=10 m=46
